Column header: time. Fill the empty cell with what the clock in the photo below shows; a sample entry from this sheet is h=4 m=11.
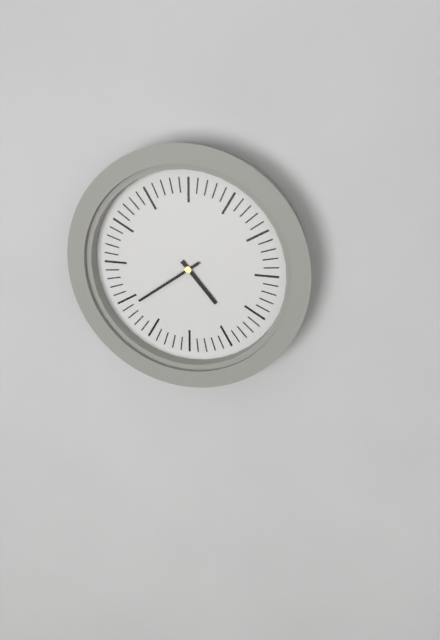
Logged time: h=4 m=39
